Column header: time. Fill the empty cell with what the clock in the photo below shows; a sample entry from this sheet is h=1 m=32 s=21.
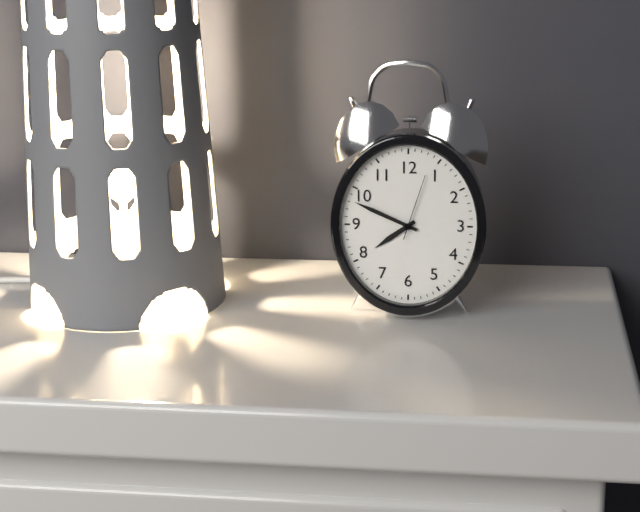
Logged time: h=7 m=49 s=3
